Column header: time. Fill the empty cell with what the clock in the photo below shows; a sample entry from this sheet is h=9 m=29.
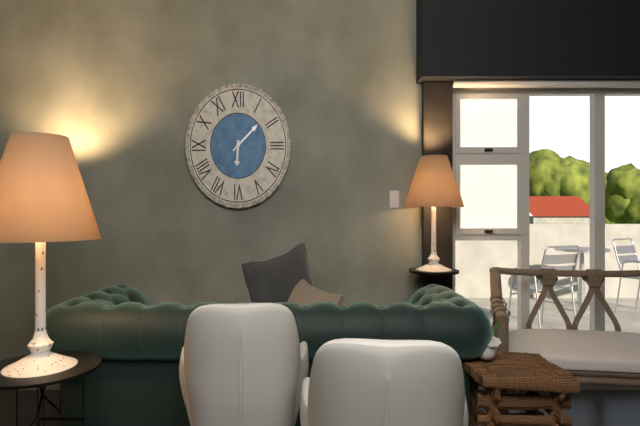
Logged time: h=6 m=8
